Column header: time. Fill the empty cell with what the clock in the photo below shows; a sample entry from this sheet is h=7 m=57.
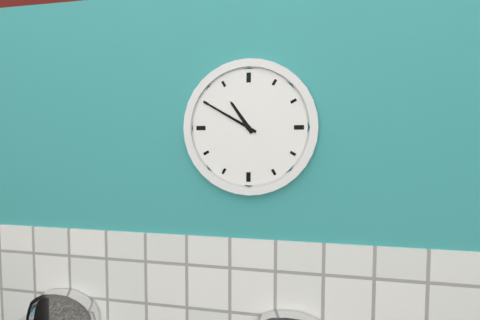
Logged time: h=10 m=50
